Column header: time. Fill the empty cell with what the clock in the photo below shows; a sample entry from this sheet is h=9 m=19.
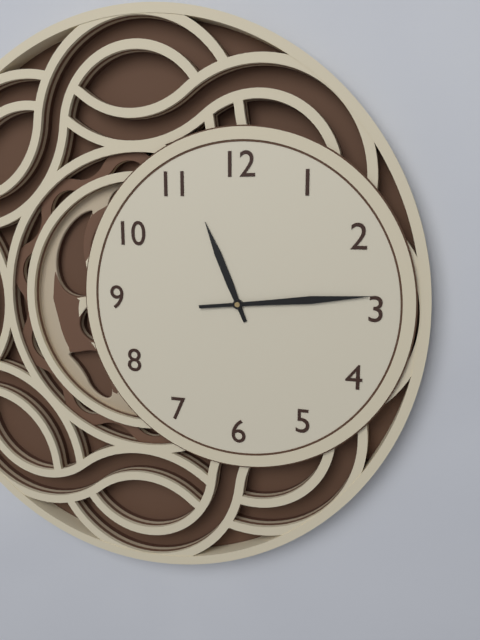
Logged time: h=11 m=14
